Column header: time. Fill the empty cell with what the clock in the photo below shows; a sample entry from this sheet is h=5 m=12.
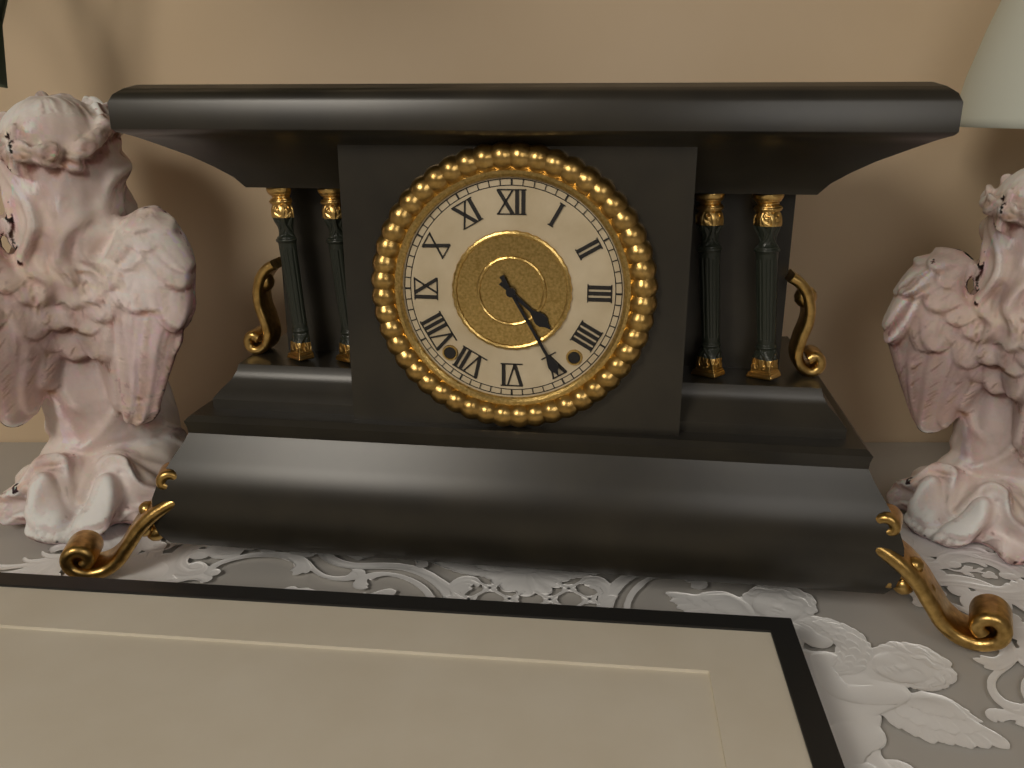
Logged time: h=4 m=25
